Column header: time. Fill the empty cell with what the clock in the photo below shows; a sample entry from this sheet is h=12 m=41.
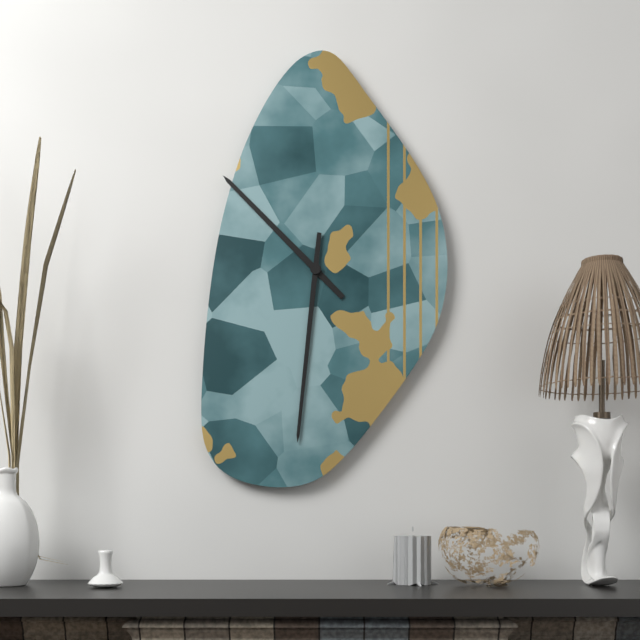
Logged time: h=10 m=31
